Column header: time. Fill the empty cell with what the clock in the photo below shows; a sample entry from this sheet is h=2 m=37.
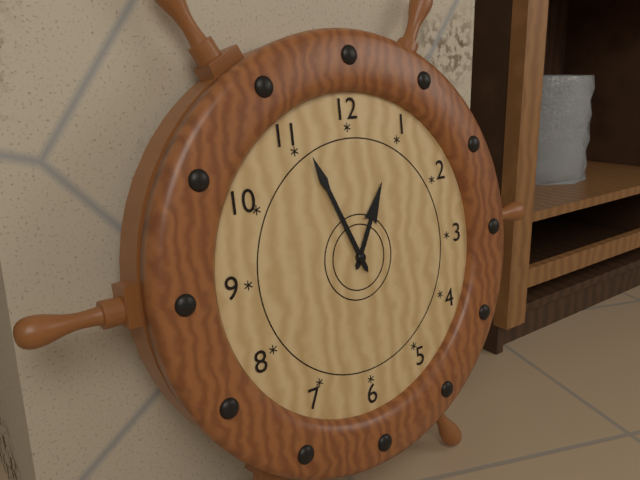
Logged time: h=12 m=56
